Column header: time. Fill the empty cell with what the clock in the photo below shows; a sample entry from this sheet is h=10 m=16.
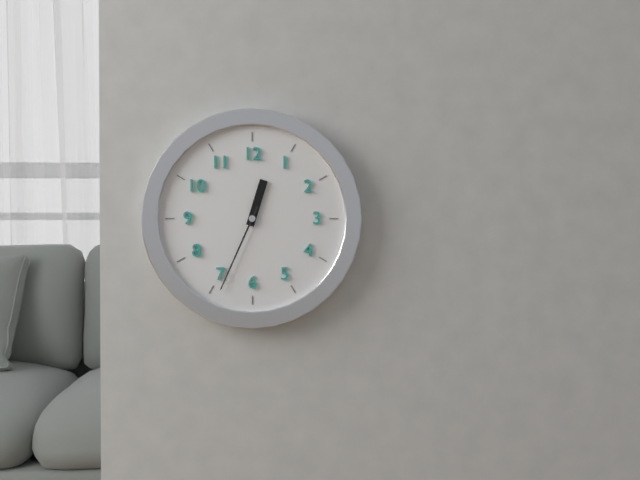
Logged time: h=12 m=34
